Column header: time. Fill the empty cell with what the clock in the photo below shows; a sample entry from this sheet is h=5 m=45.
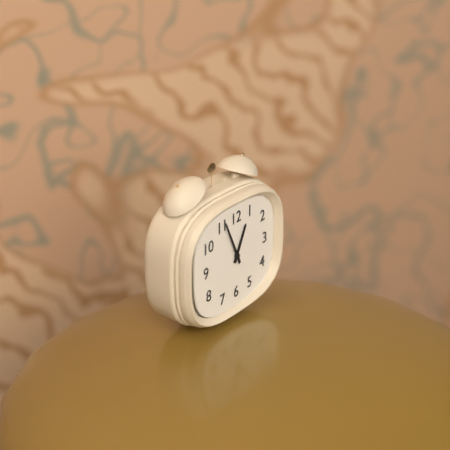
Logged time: h=12 m=56
